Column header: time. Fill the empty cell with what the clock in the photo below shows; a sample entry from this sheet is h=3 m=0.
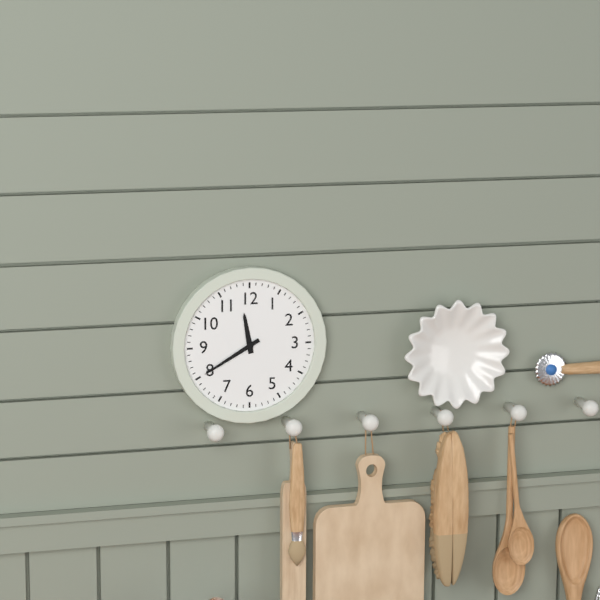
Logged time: h=11 m=40
